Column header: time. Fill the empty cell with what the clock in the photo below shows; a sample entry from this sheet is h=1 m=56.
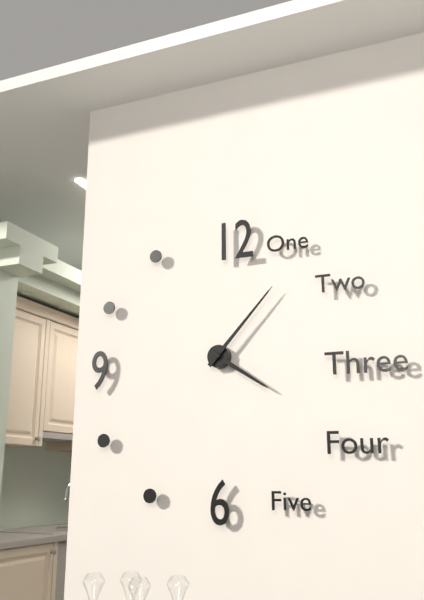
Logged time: h=4 m=7
